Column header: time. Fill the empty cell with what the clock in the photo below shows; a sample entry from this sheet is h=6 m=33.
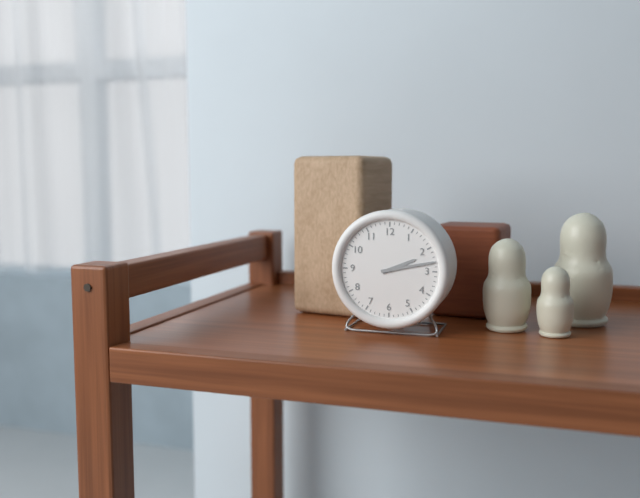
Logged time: h=2 m=13
